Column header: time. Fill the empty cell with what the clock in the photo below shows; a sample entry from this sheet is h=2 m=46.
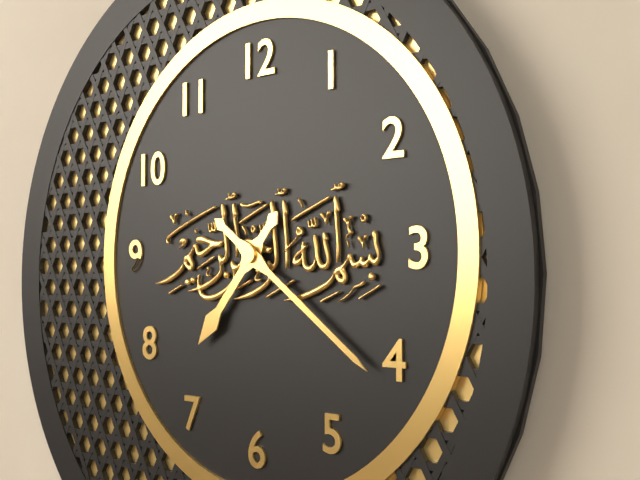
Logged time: h=7 m=21
